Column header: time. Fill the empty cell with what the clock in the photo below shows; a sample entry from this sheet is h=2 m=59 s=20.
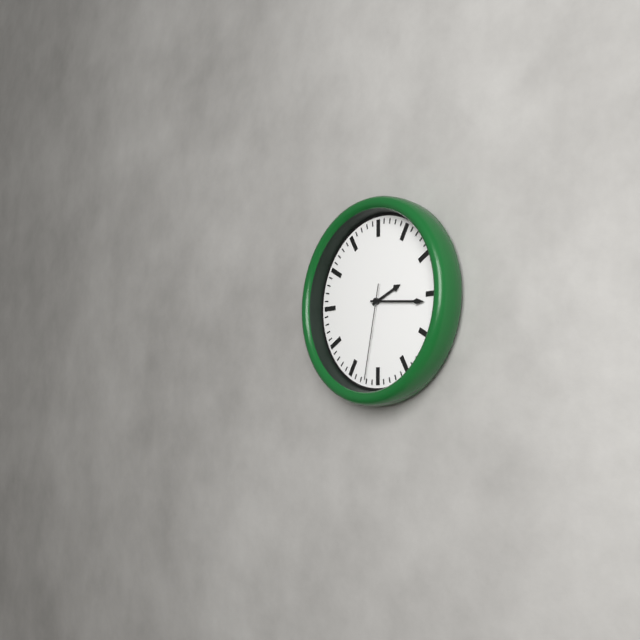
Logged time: h=2 m=16 s=32
